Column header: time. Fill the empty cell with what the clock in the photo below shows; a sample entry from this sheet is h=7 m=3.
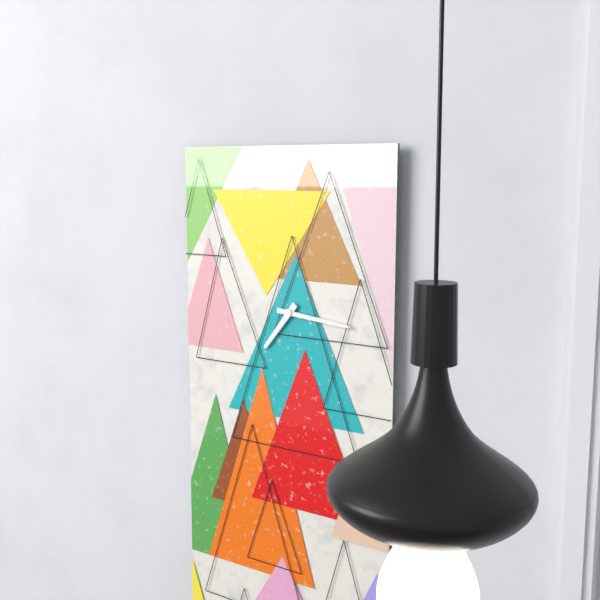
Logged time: h=7 m=16
